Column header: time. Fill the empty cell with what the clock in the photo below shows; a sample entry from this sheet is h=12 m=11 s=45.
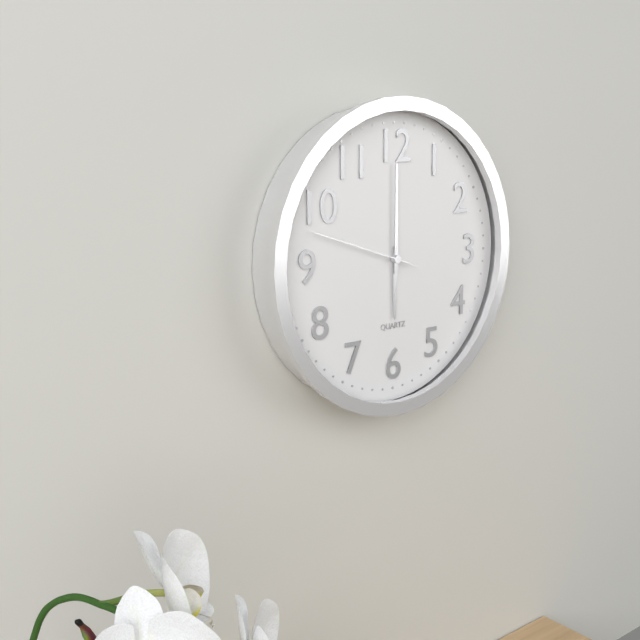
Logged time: h=6 m=0 s=48
